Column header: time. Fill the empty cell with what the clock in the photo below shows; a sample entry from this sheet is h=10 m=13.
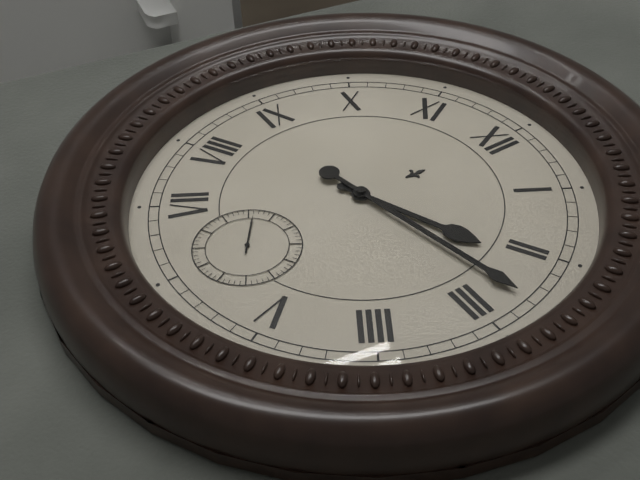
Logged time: h=2 m=13
